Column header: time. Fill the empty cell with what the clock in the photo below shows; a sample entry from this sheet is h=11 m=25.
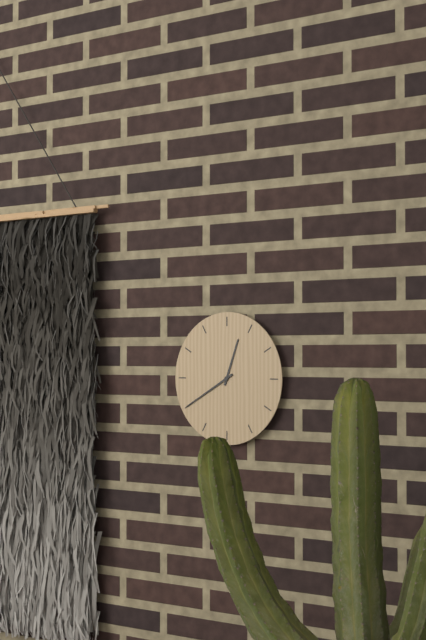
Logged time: h=12 m=40
